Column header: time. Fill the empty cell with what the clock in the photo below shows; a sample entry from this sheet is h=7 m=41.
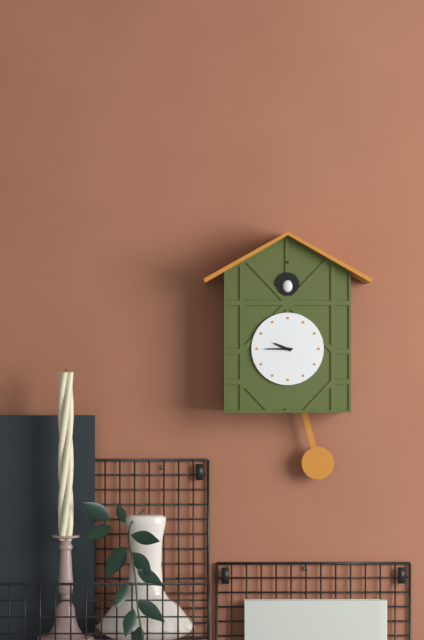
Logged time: h=9 m=45
